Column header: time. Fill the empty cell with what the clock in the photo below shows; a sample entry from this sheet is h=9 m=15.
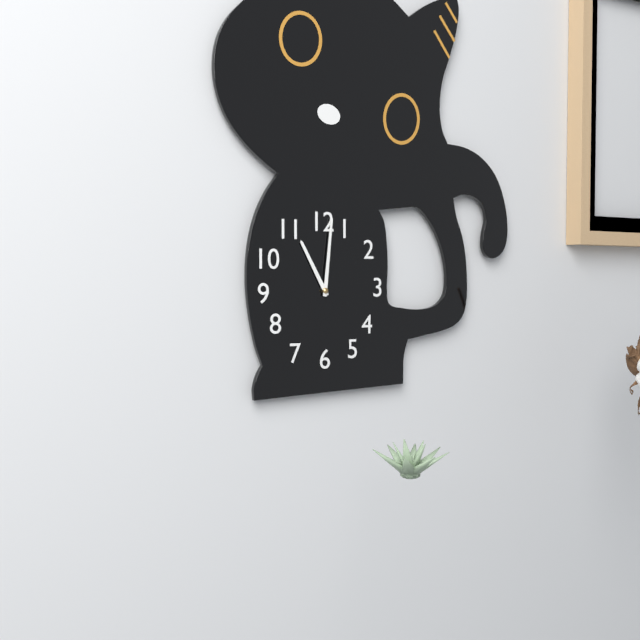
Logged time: h=11 m=1
